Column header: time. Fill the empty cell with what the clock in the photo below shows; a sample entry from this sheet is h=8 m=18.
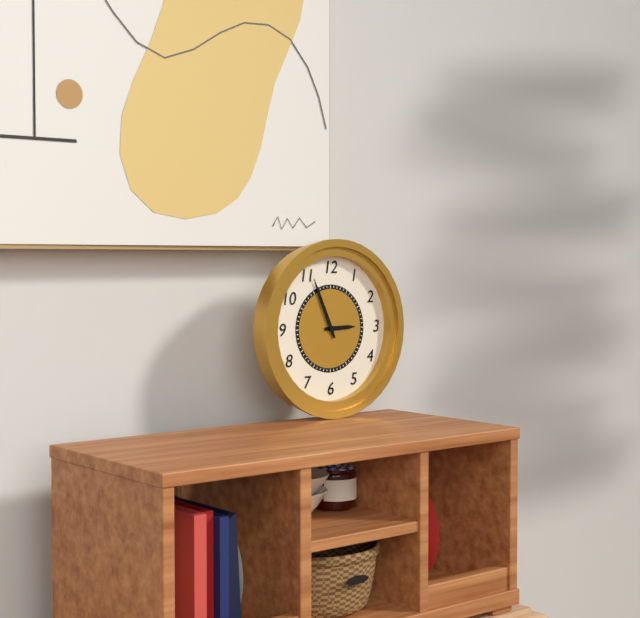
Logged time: h=2 m=56
